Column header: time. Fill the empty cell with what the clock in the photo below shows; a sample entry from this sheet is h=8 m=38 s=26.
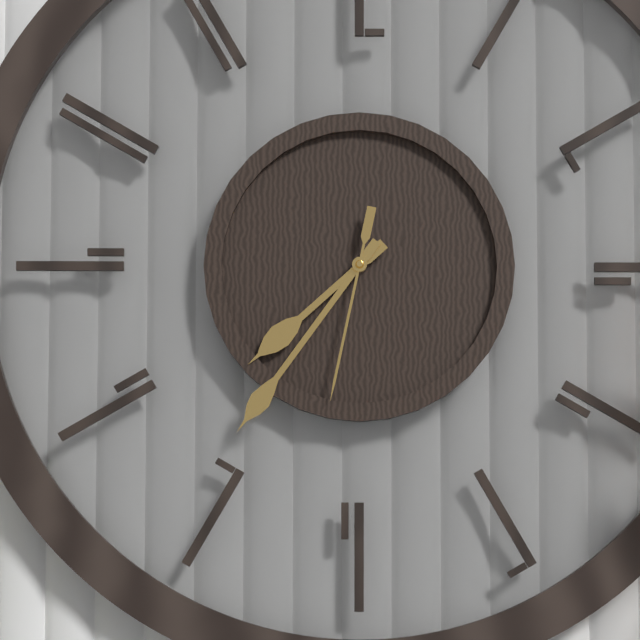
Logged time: h=7 m=36 s=32
